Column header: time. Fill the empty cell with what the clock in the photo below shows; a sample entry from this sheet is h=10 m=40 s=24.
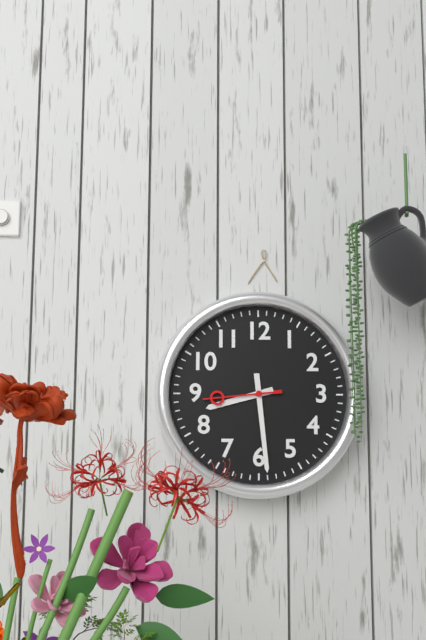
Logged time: h=8 m=29 s=44
